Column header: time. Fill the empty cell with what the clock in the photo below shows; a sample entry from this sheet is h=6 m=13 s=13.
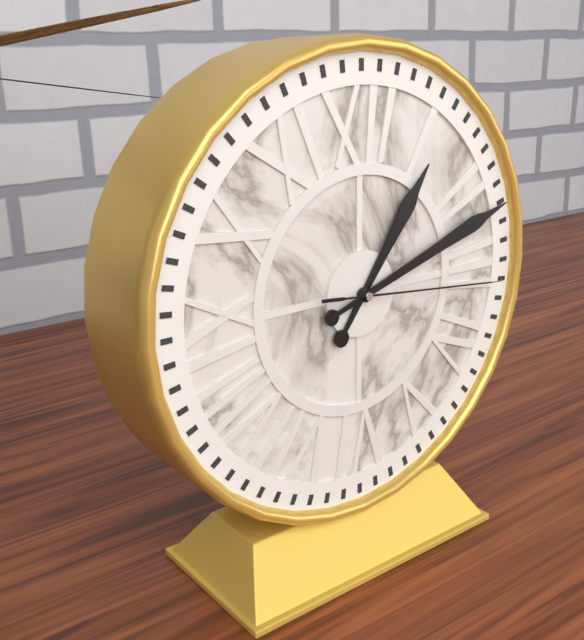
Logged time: h=1 m=12 s=16
